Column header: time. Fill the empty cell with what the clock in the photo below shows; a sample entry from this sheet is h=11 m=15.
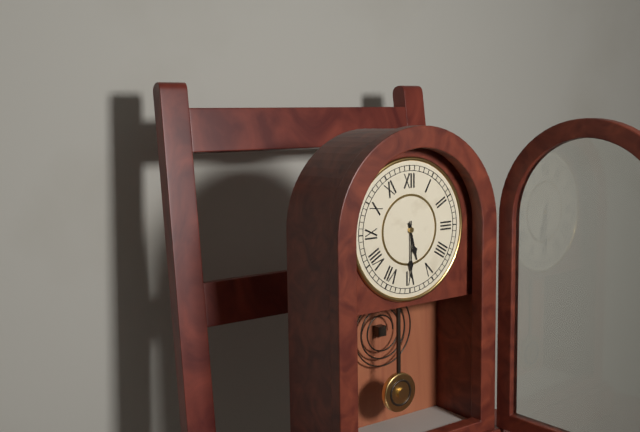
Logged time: h=5 m=30
